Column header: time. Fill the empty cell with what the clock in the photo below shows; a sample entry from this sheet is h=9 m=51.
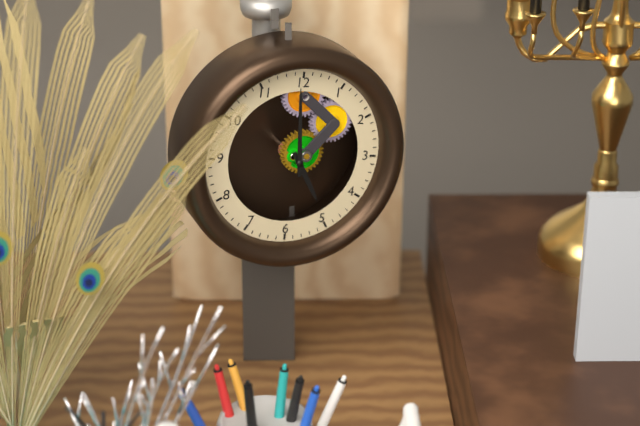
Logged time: h=4 m=59
